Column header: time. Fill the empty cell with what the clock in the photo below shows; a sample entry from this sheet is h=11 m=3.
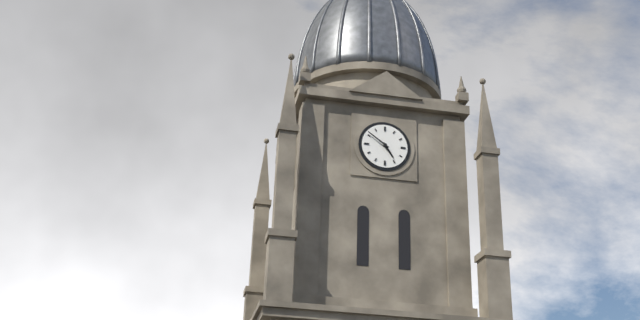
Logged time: h=4 m=51
